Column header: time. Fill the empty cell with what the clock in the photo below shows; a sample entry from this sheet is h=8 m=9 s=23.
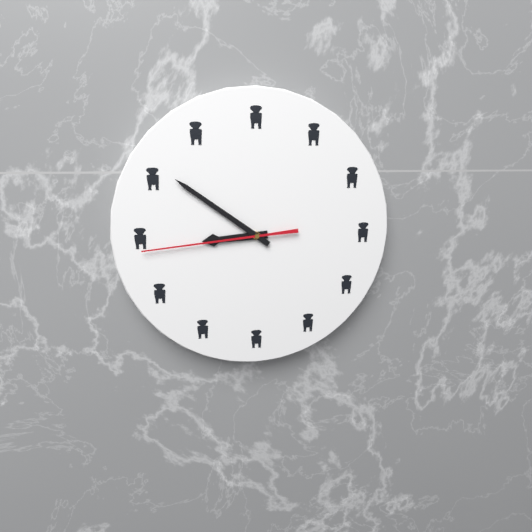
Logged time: h=8 m=51 s=44
